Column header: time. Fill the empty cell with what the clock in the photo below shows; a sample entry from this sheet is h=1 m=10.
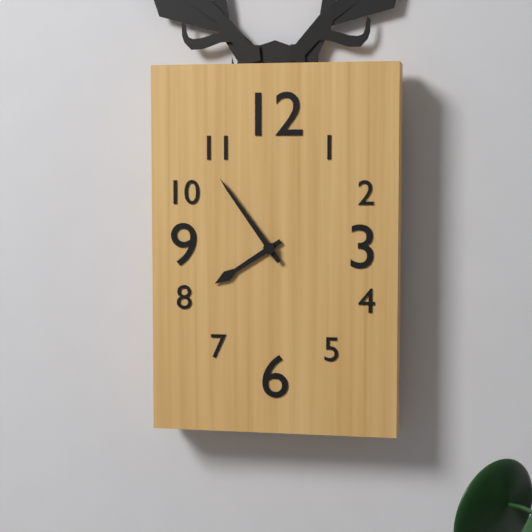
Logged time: h=7 m=54
